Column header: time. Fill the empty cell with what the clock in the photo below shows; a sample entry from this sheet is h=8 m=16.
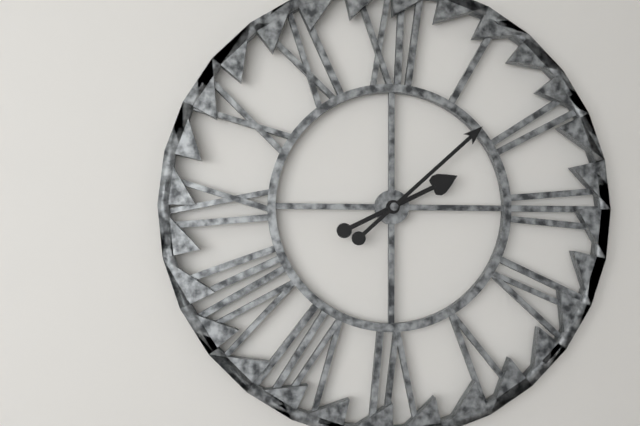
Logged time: h=2 m=8
